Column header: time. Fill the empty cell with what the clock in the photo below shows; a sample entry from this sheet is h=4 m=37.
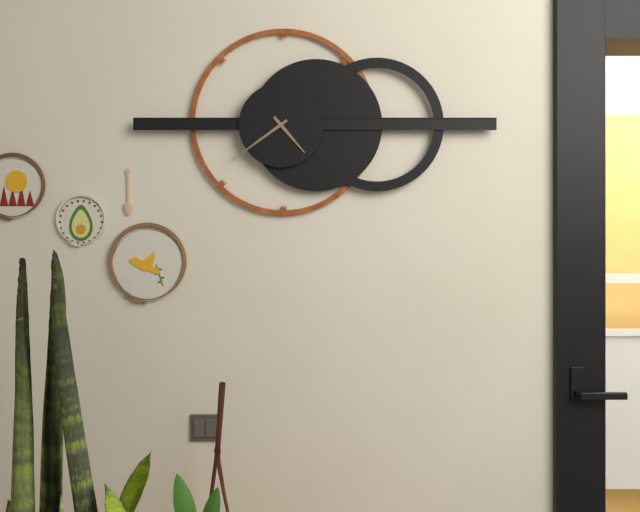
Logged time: h=4 m=39
